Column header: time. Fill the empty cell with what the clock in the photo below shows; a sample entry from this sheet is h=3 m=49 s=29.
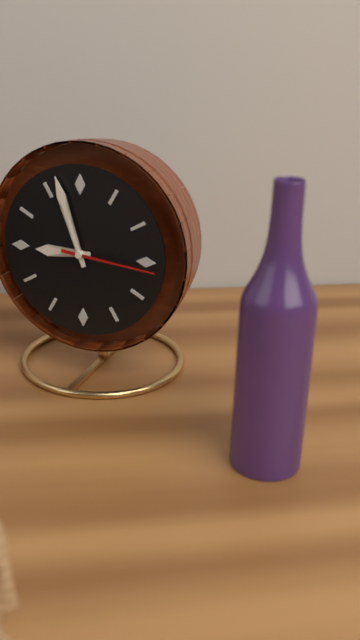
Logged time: h=8 m=57 s=16
